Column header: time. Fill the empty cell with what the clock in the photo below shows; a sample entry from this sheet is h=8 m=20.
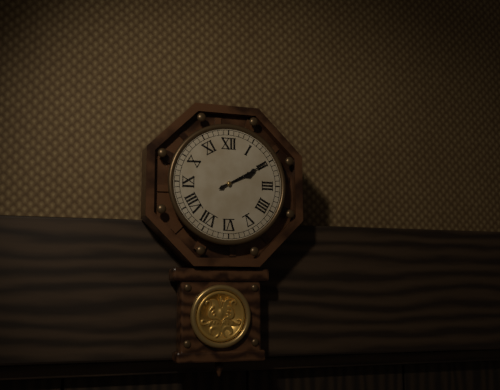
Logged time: h=2 m=10
